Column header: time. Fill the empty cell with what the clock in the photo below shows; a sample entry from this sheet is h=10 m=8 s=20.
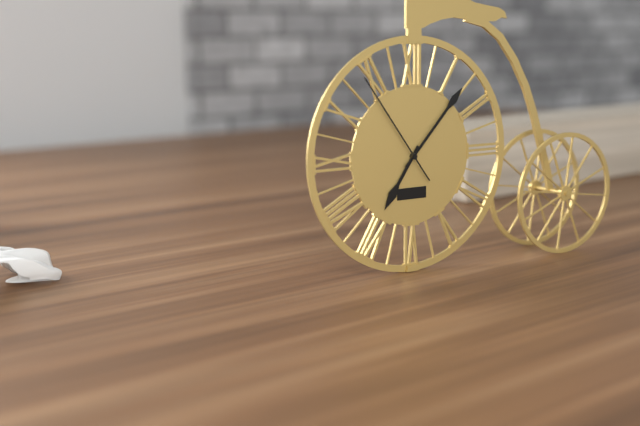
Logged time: h=7 m=7 s=54
